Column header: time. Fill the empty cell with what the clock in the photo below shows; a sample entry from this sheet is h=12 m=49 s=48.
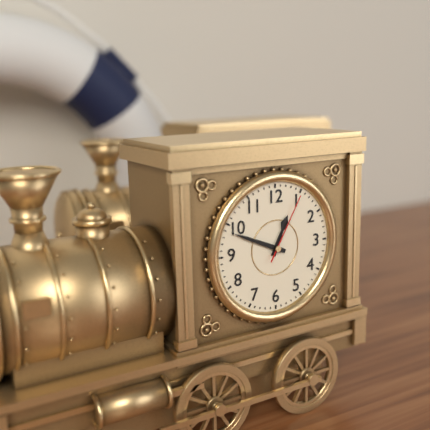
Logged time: h=12 m=49 s=5
